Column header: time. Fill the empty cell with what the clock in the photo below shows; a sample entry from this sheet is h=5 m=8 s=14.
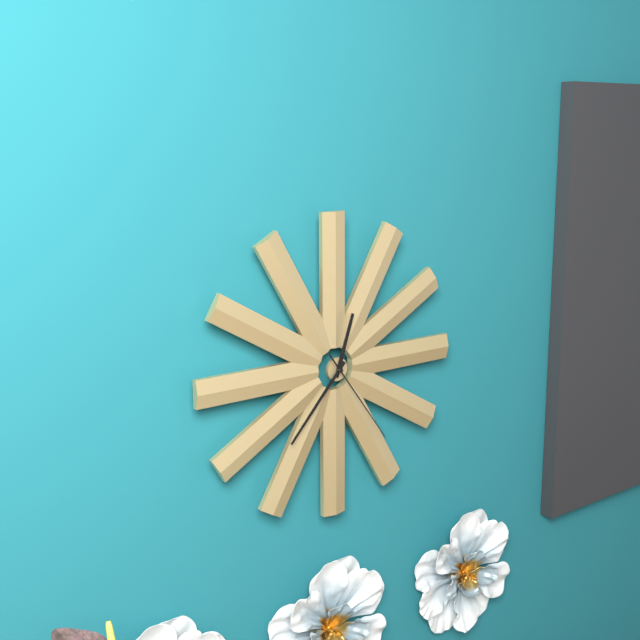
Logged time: h=12 m=37 s=24
